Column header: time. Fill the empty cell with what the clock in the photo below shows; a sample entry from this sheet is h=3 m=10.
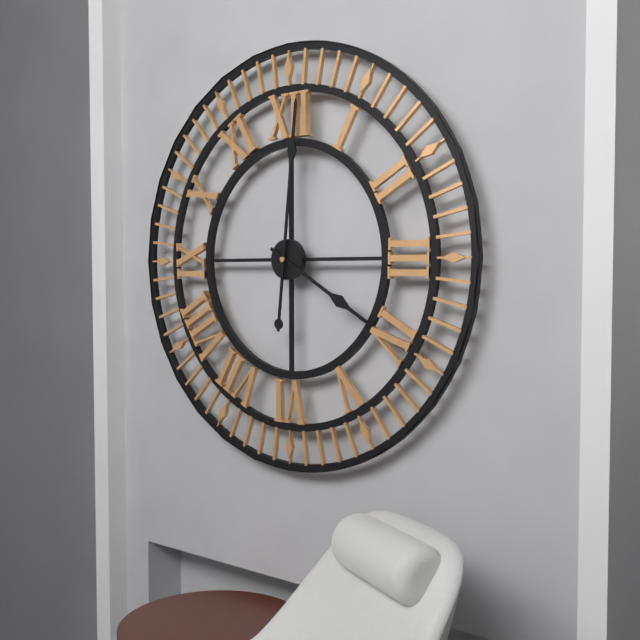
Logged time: h=4 m=1
